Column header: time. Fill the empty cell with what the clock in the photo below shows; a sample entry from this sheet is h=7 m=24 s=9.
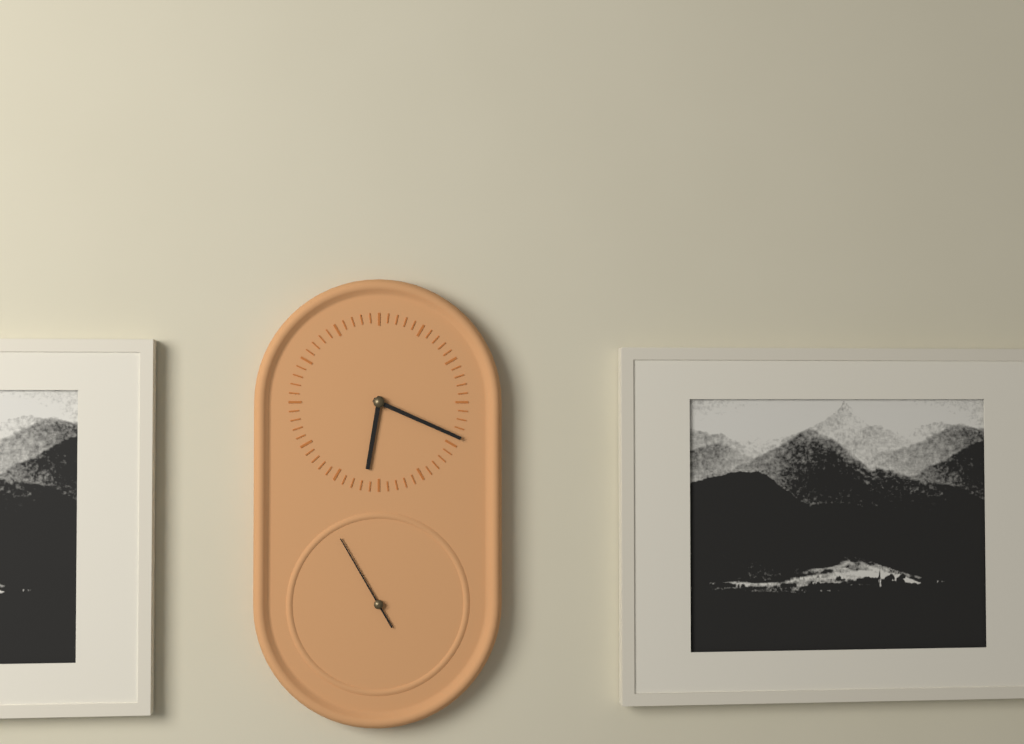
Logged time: h=6 m=19 s=55
